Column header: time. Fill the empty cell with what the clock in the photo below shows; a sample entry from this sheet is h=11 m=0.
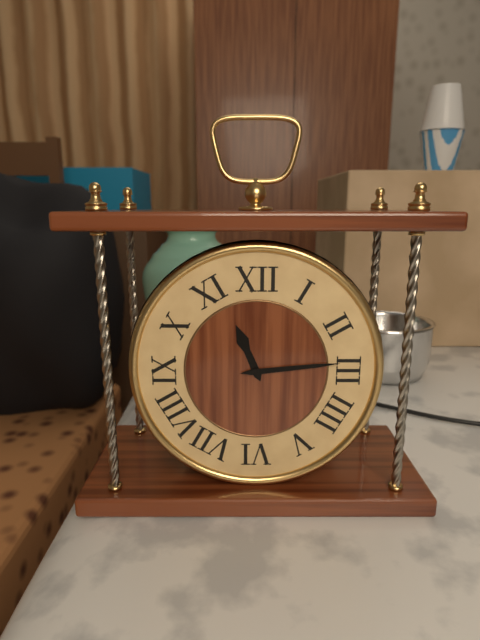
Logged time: h=11 m=14
